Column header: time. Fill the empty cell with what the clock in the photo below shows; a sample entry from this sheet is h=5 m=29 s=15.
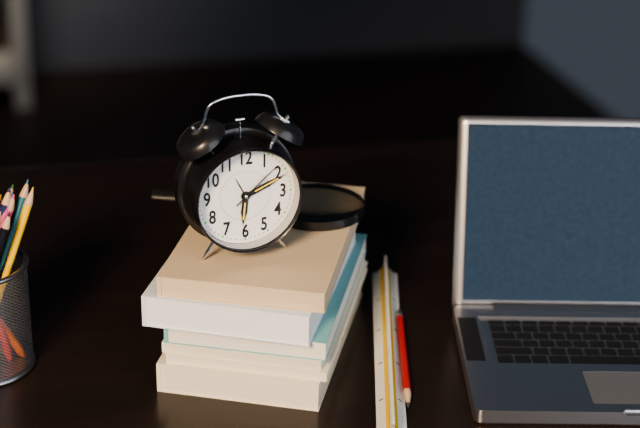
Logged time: h=6 m=11 s=8
